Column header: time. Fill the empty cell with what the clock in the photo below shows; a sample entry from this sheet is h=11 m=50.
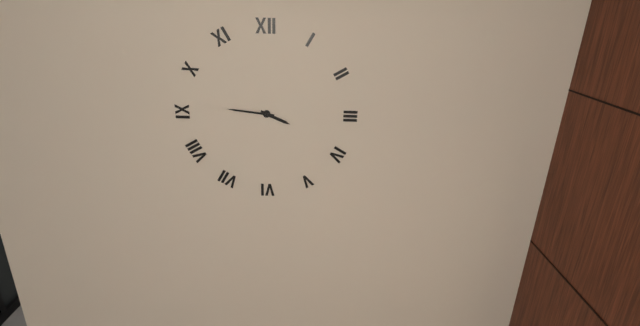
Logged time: h=3 m=46
